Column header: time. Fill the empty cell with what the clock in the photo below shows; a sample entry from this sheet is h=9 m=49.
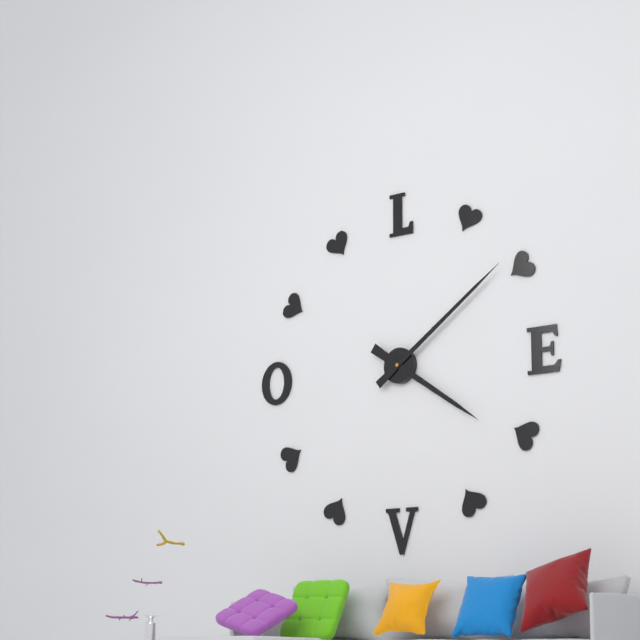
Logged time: h=4 m=9
